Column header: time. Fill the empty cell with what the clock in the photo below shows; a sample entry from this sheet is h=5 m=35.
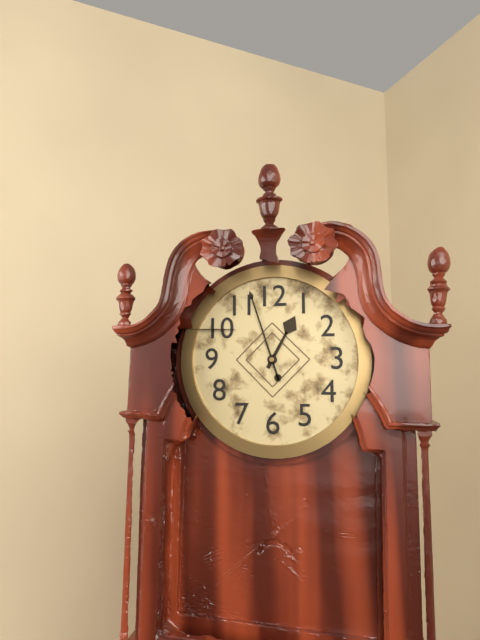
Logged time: h=12 m=57
